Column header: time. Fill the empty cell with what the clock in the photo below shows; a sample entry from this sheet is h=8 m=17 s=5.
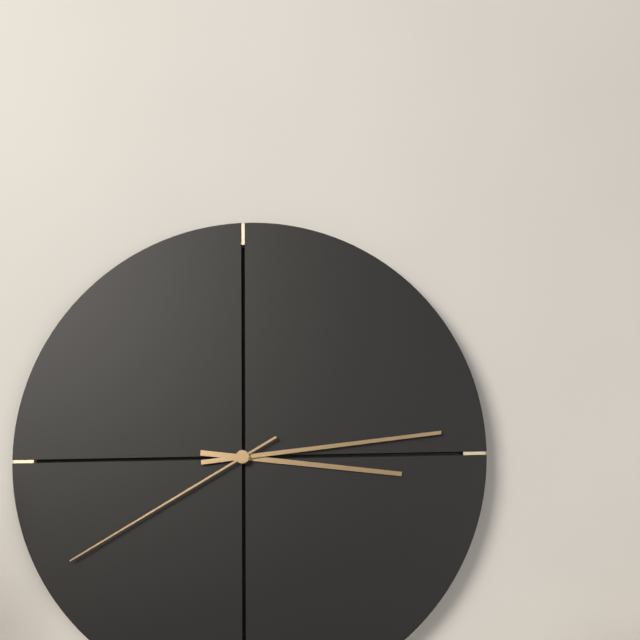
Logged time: h=3 m=14 s=40
